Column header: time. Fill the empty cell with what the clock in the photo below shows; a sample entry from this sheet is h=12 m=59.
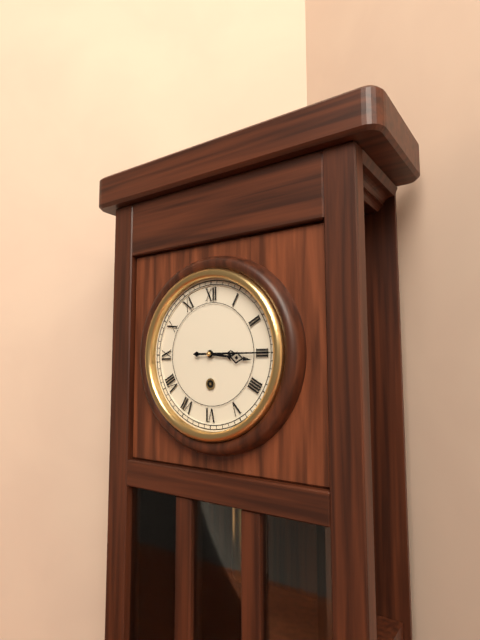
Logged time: h=3 m=15
